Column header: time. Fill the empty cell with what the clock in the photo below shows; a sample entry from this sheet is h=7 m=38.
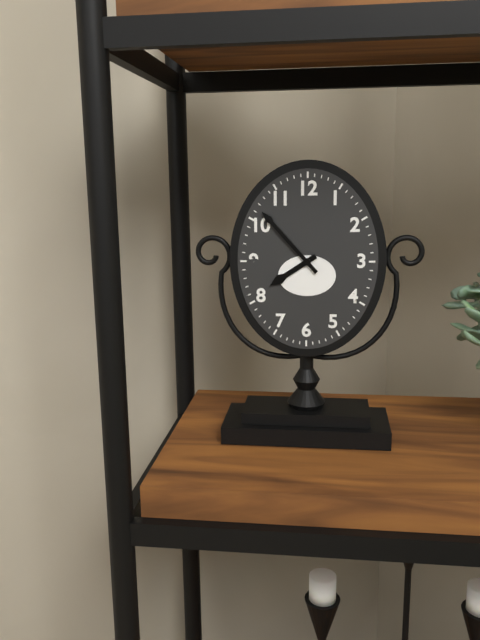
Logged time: h=7 m=53
